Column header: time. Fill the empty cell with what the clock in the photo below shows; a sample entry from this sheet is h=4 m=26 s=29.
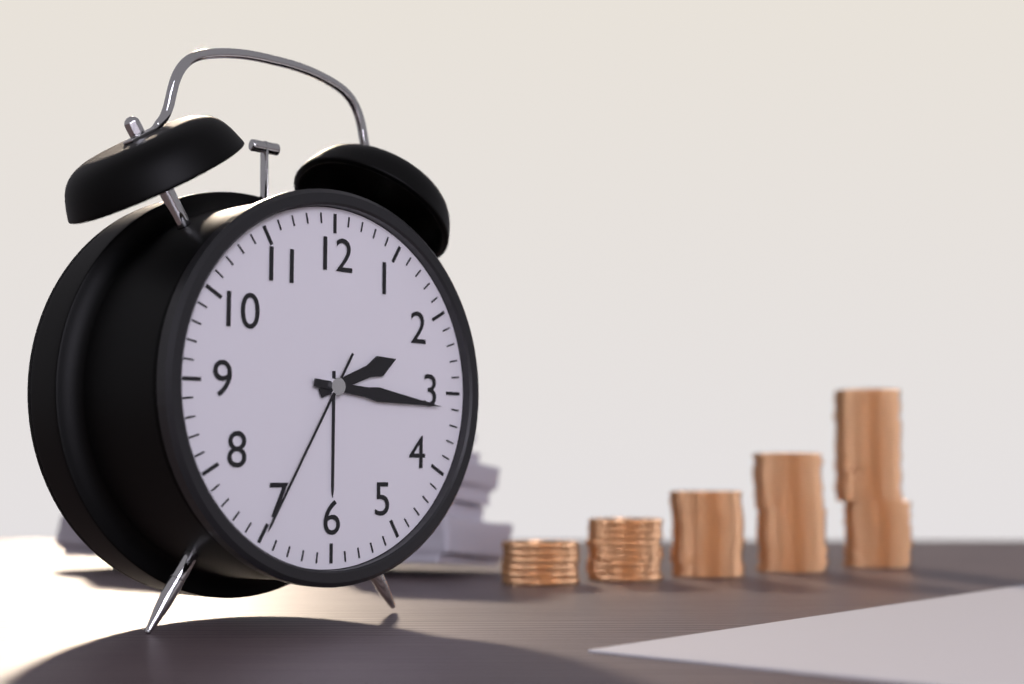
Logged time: h=2 m=16 s=35
